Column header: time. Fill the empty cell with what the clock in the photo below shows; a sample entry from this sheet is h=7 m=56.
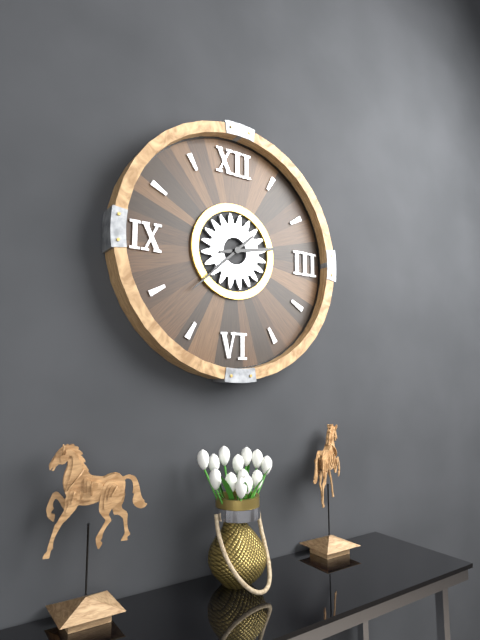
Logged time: h=2 m=38
